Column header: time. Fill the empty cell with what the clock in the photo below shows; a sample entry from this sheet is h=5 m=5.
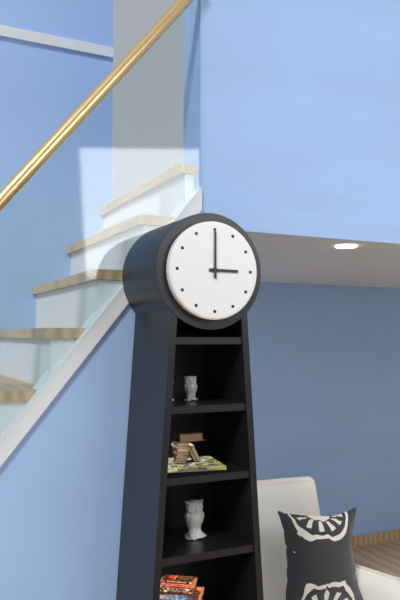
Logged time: h=3 m=0
